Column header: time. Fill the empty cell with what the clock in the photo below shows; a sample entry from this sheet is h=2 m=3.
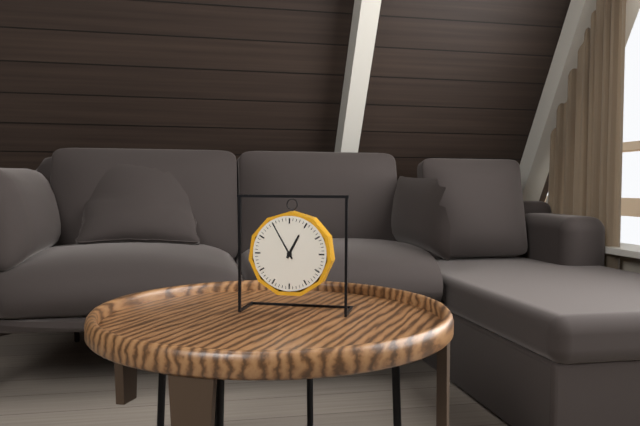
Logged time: h=12 m=55
